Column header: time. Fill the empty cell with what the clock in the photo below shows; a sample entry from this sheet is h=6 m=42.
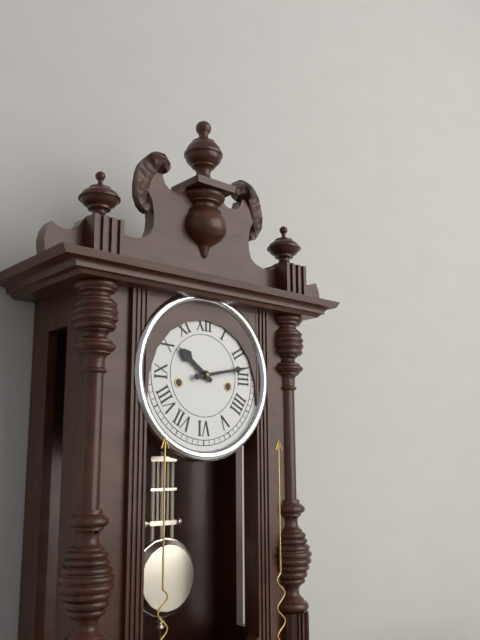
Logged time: h=10 m=13
